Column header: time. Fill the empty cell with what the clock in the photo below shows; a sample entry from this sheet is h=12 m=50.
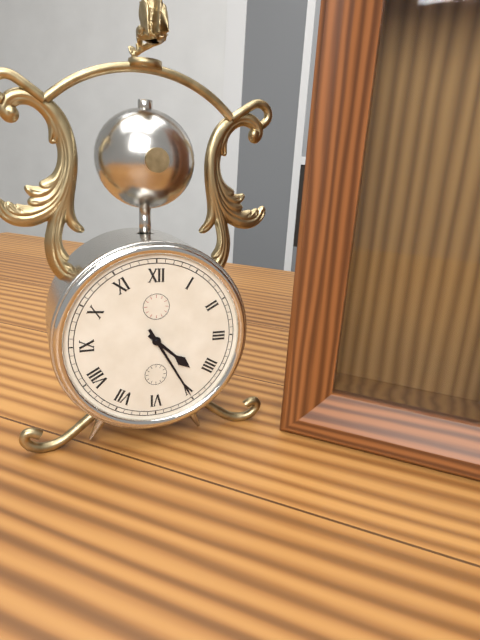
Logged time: h=4 m=25
